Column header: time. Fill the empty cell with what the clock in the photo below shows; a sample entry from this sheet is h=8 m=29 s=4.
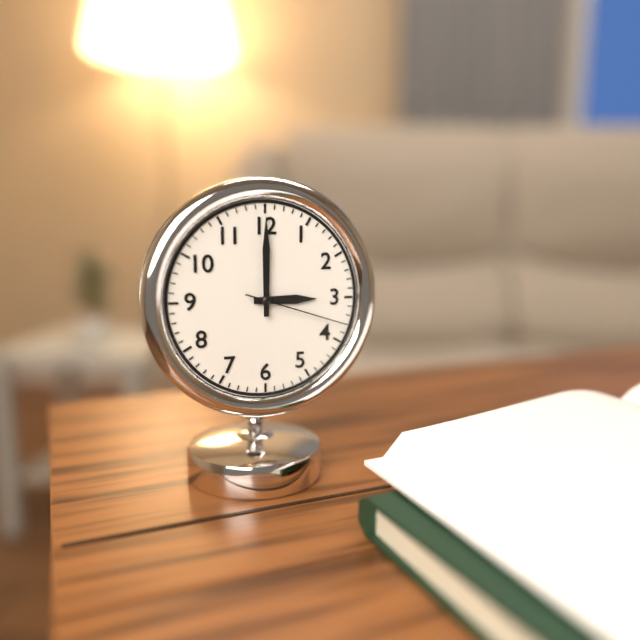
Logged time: h=3 m=0 s=18
